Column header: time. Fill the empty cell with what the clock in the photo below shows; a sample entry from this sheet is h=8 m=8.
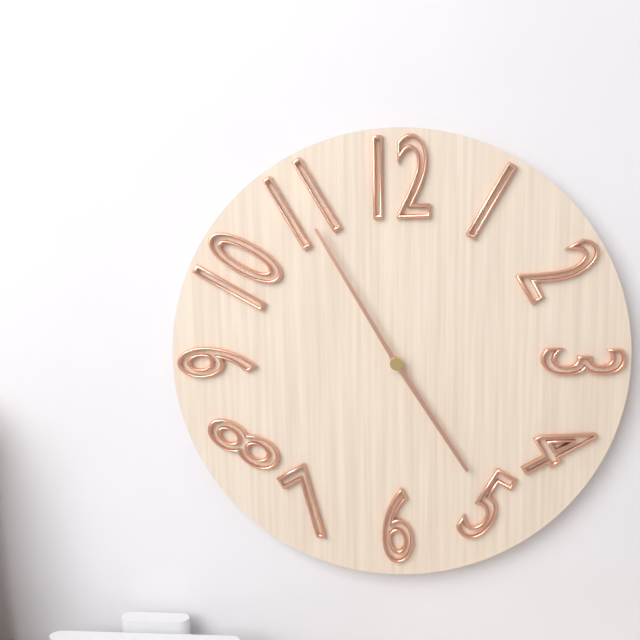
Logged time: h=4 m=55
